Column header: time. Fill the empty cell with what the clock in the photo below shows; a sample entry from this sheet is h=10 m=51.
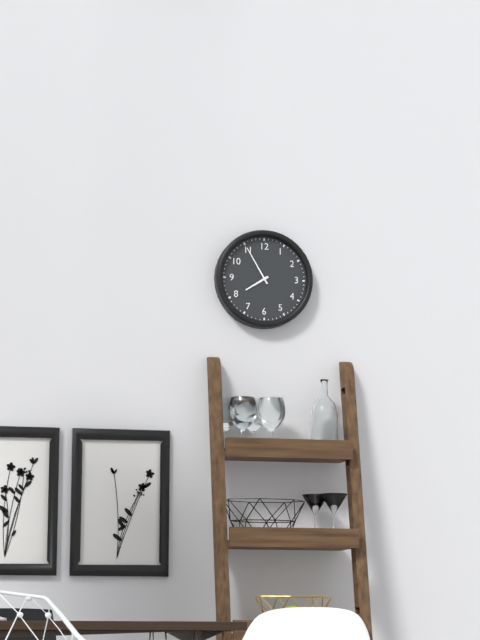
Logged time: h=7 m=55
